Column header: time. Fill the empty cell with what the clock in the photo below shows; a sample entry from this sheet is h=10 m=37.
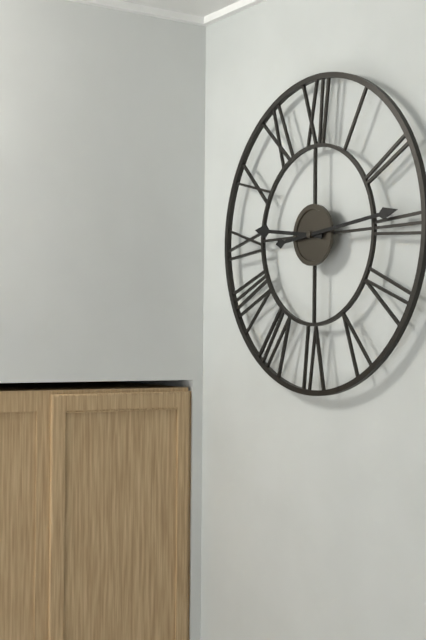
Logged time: h=9 m=14
